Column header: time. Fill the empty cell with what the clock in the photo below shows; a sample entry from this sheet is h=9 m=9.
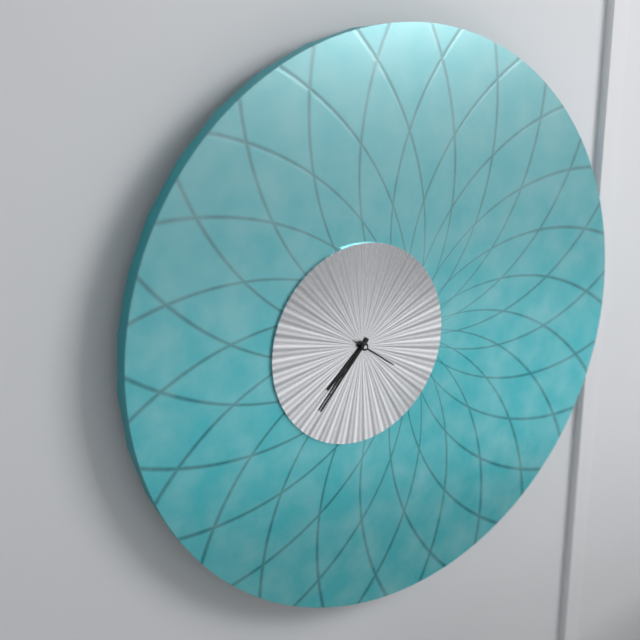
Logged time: h=7 m=37
